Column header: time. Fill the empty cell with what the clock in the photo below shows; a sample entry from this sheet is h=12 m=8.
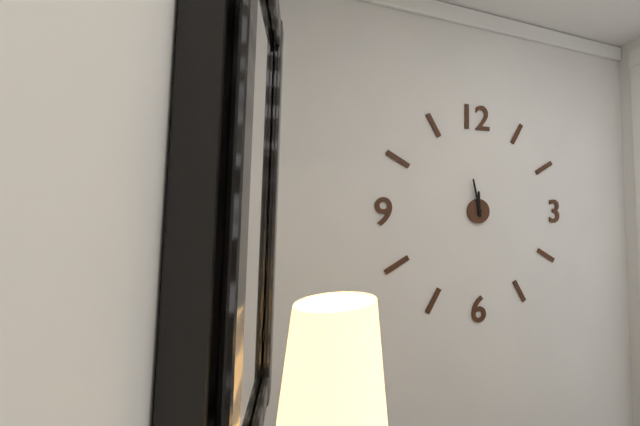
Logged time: h=11 m=58
